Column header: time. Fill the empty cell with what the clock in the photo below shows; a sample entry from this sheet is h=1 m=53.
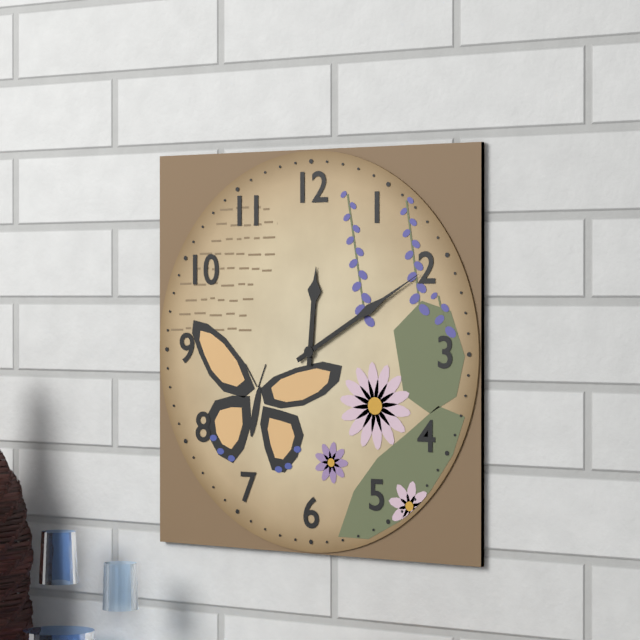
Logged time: h=12 m=10
